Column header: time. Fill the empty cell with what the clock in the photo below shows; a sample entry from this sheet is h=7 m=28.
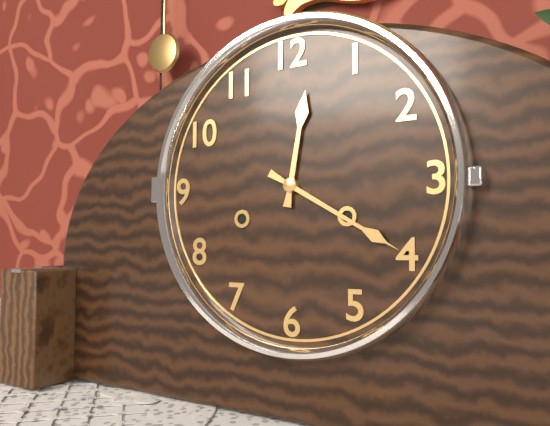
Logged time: h=12 m=20
